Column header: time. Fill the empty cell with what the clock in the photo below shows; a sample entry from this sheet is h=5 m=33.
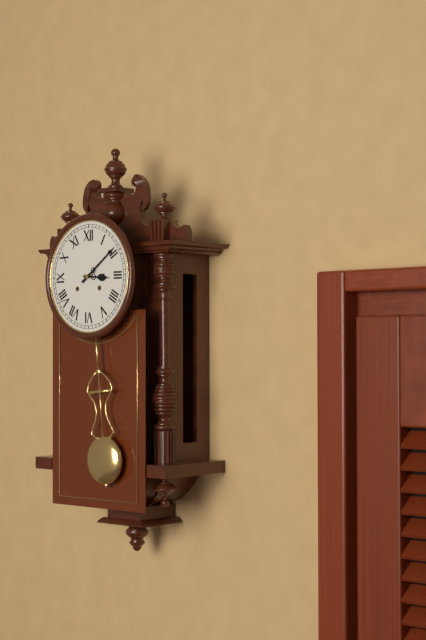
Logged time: h=3 m=9
